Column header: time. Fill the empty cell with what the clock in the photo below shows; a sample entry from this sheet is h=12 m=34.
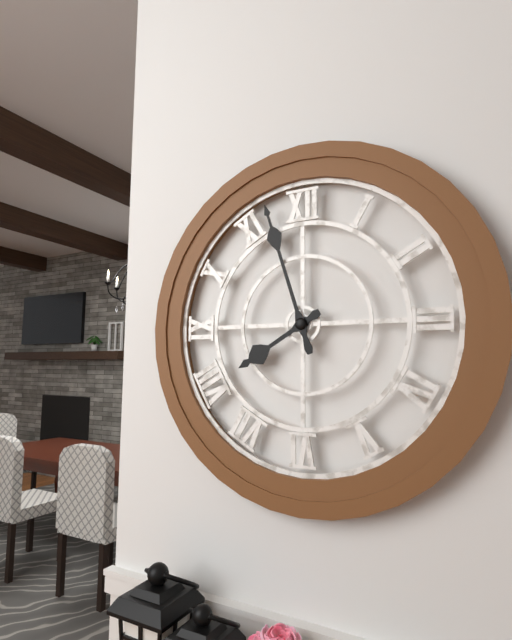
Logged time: h=7 m=57
